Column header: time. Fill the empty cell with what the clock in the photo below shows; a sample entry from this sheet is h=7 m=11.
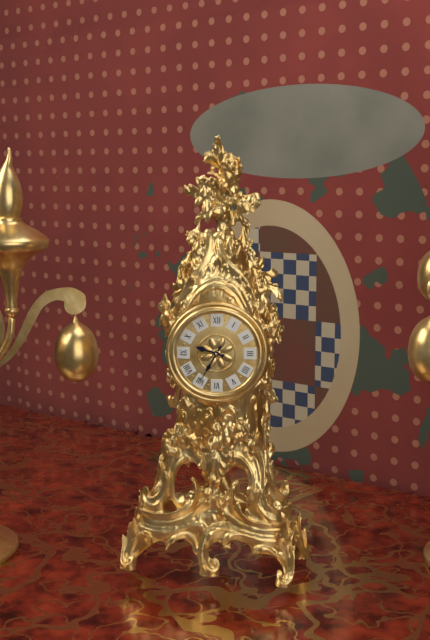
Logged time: h=9 m=35
